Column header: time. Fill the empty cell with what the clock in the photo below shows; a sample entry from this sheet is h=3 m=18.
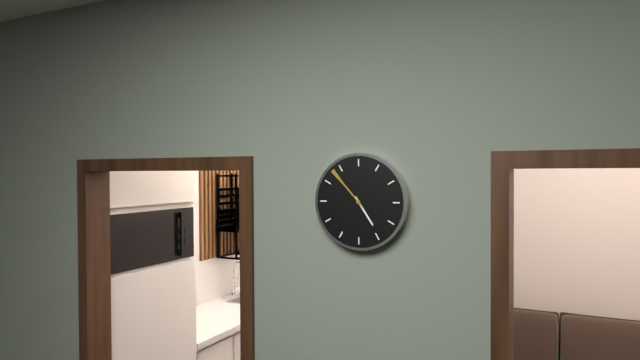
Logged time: h=4 m=53
